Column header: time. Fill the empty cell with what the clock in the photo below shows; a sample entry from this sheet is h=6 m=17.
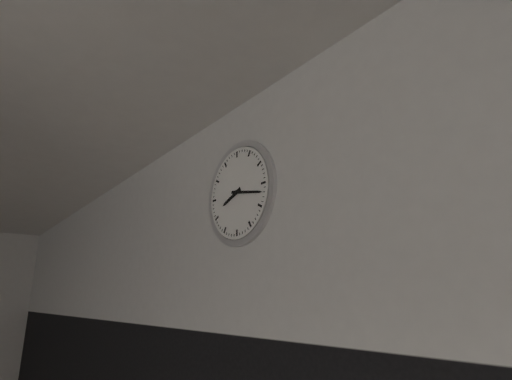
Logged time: h=8 m=17
